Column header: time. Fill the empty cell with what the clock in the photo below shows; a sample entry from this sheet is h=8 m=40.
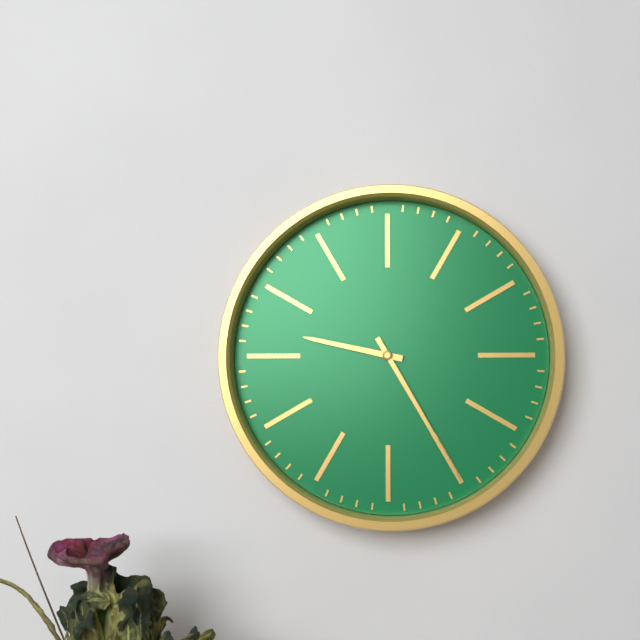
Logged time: h=9 m=25
